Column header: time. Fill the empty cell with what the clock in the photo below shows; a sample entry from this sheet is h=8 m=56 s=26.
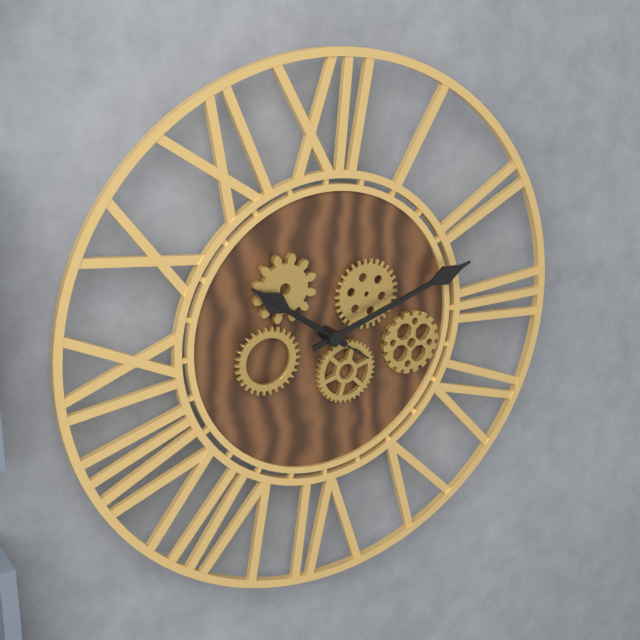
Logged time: h=10 m=12 s=51
